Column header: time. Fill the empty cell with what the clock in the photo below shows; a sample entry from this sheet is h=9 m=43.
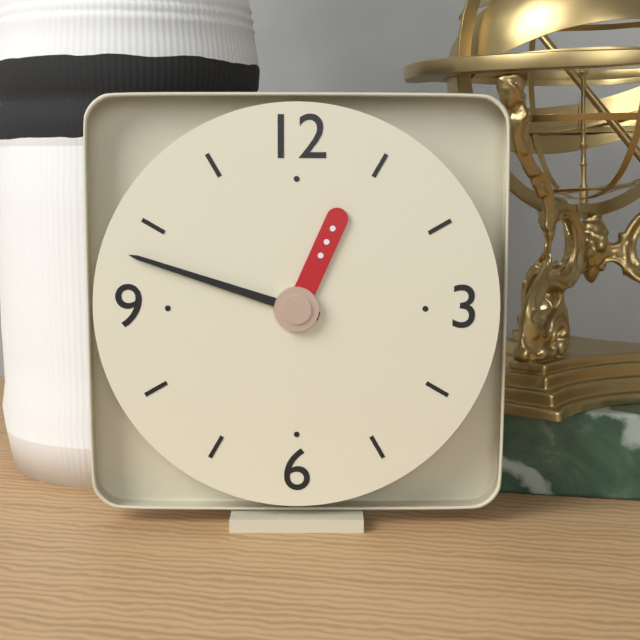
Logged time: h=12 m=48
